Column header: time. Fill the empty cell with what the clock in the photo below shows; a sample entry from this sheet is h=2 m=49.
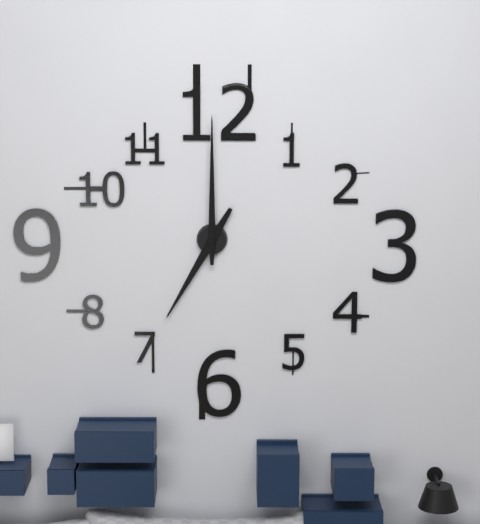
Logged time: h=7 m=0
